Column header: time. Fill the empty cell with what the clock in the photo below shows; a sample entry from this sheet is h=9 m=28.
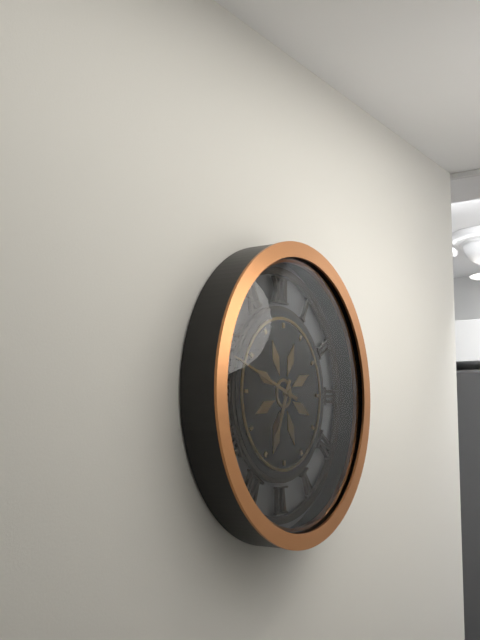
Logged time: h=6 m=48
